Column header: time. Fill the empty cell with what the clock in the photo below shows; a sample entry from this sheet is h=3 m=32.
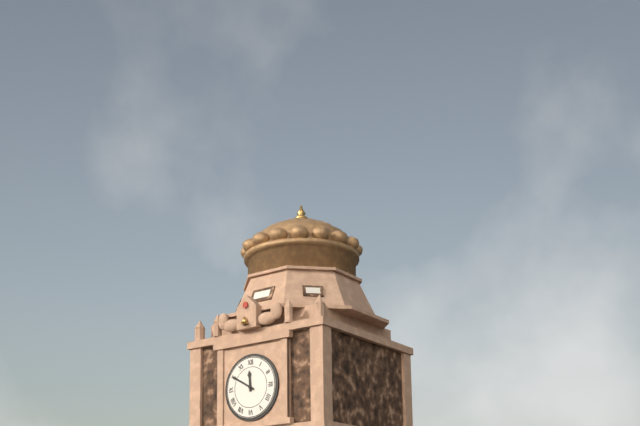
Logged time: h=11 m=50
